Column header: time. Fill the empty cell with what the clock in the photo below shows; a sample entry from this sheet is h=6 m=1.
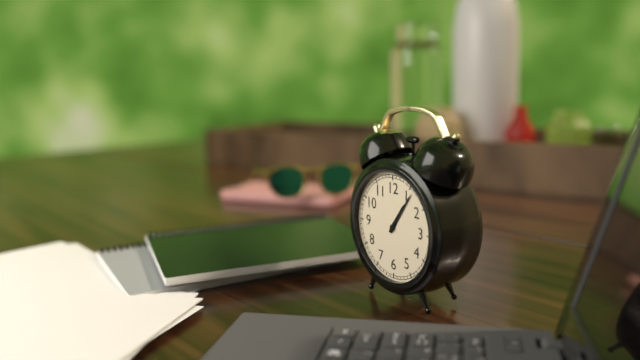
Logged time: h=1 m=6
